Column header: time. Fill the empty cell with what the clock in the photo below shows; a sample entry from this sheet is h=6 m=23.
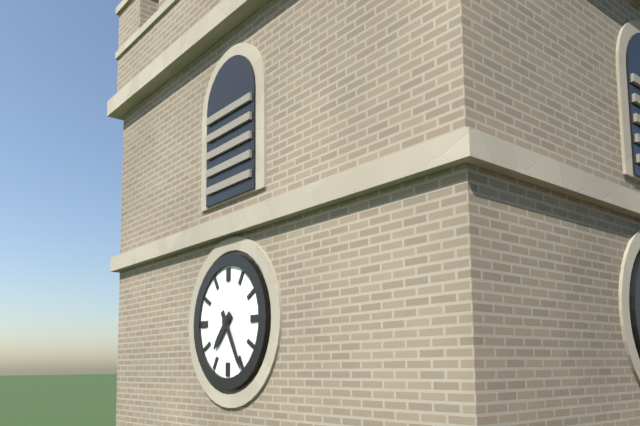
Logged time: h=7 m=25
